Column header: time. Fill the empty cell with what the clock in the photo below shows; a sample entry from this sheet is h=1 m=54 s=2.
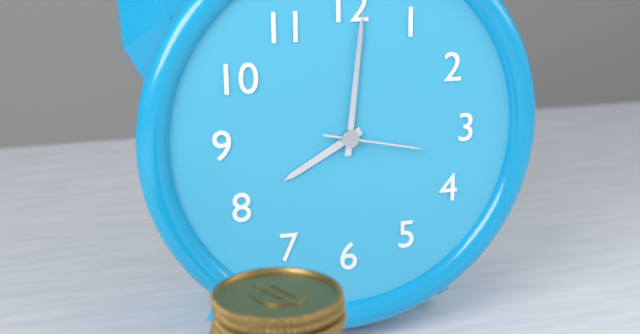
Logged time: h=8 m=1 s=17
